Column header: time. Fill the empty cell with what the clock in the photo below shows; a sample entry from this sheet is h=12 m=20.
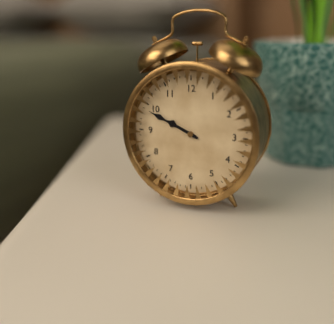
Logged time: h=9 m=49
